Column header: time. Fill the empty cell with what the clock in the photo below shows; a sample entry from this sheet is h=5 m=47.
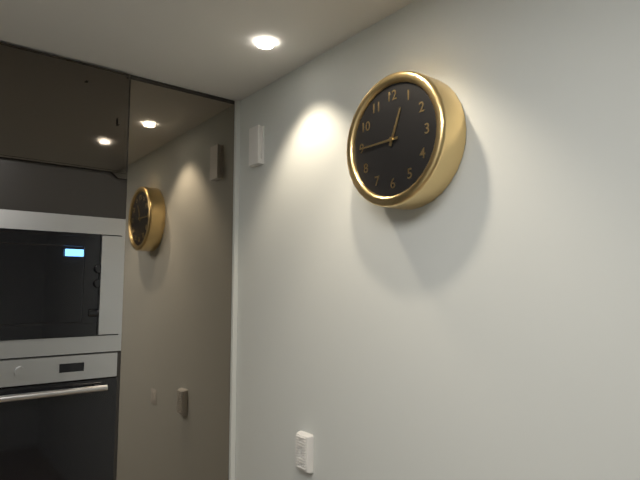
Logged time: h=12 m=45
